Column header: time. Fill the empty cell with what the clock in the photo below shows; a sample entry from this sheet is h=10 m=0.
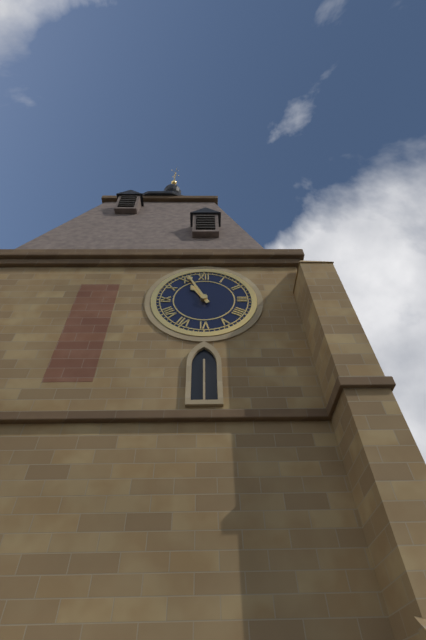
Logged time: h=10 m=56
